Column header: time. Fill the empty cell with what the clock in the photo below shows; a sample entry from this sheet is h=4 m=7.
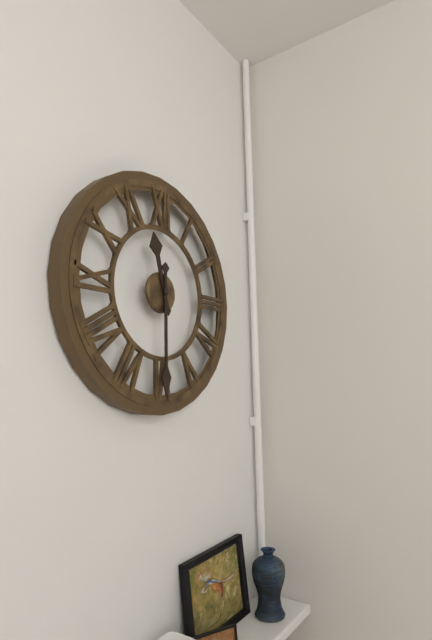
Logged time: h=11 m=30
